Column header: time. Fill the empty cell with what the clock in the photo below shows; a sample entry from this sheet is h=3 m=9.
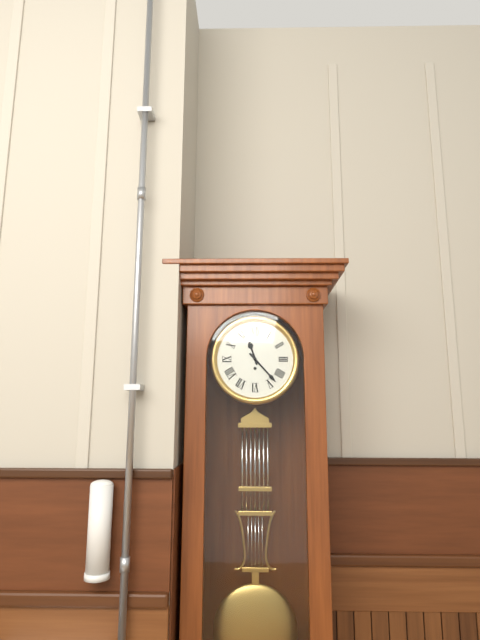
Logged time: h=11 m=23
